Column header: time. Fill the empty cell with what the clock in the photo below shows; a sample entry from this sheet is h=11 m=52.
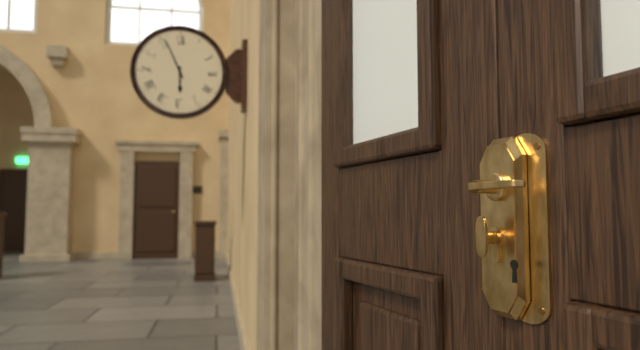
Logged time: h=5 m=56
